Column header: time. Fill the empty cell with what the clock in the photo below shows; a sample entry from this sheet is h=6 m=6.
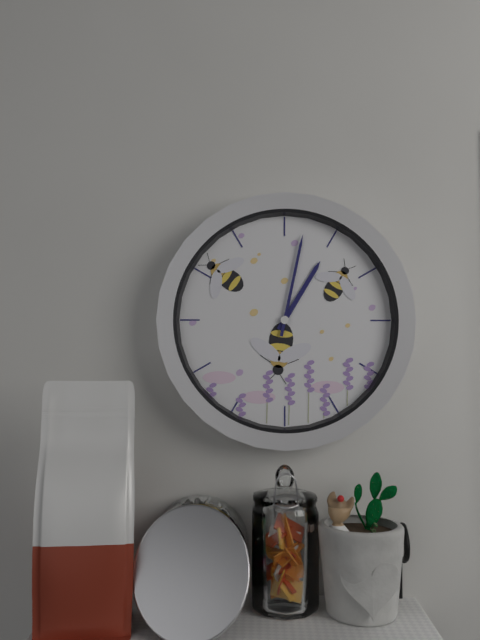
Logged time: h=1 m=2
